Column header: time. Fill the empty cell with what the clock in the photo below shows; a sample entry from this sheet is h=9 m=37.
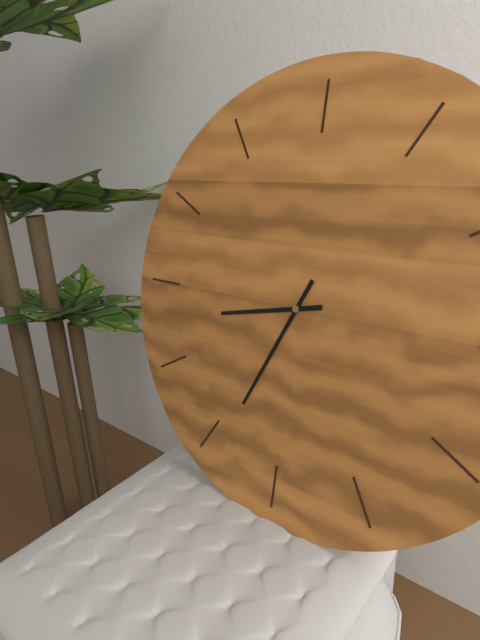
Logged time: h=8 m=34
